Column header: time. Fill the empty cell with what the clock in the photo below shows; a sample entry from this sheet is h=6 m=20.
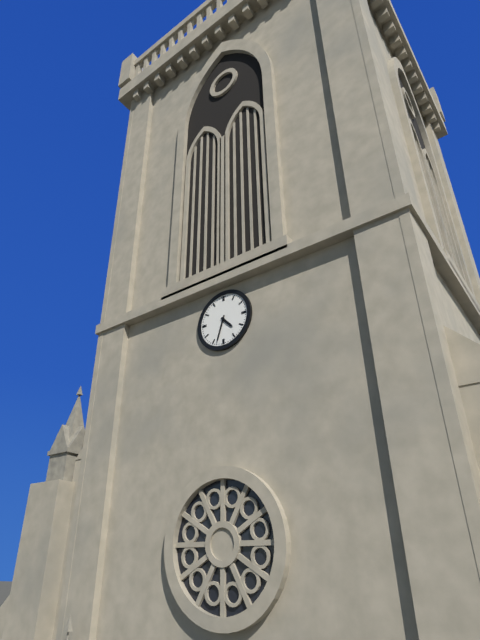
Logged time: h=4 m=33
